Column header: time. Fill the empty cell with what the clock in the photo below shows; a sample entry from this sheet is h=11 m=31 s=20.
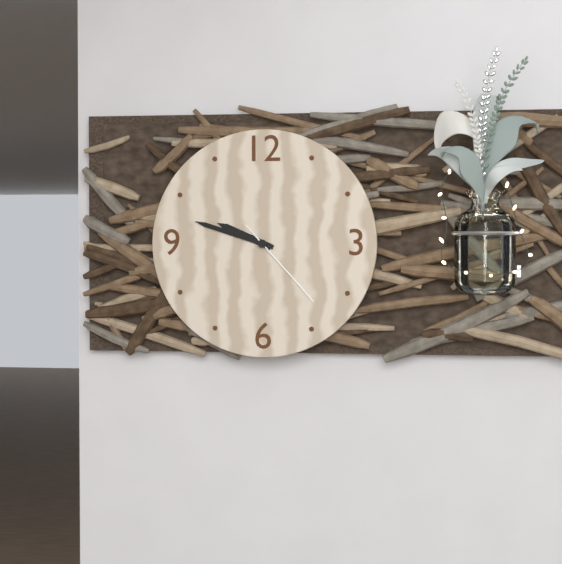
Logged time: h=9 m=48 s=23
